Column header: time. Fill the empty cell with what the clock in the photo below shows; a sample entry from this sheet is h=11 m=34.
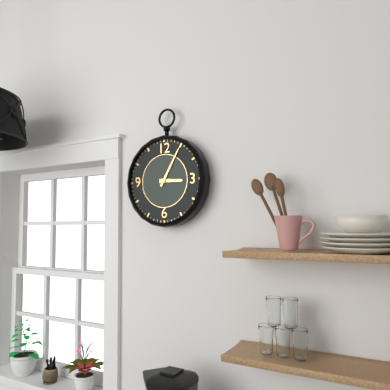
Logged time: h=3 m=5
